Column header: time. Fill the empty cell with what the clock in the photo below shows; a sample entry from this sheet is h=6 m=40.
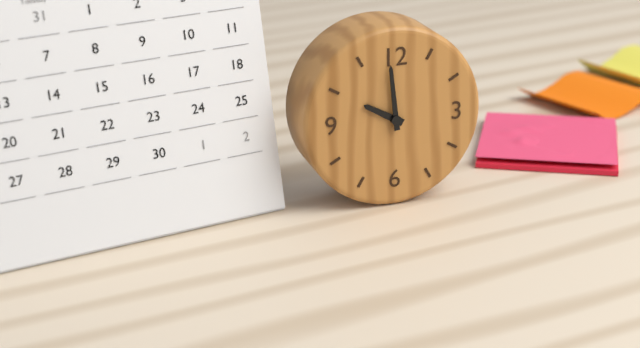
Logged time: h=9 m=59
